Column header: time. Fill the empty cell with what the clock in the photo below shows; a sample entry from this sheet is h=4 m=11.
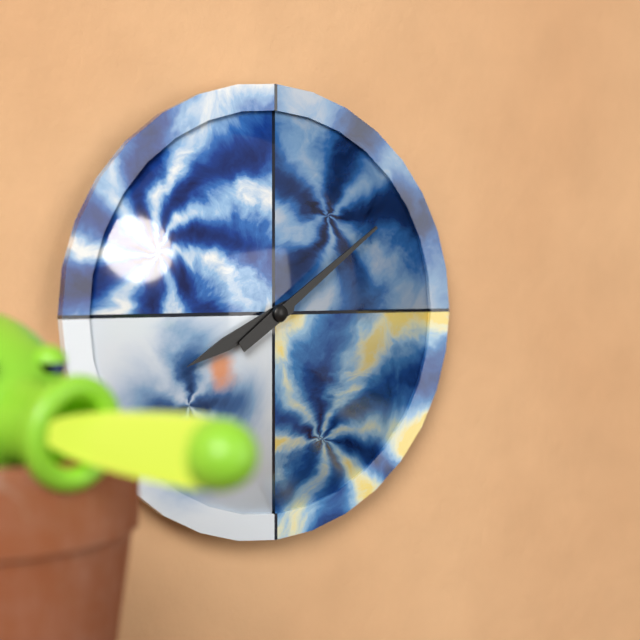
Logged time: h=8 m=9
